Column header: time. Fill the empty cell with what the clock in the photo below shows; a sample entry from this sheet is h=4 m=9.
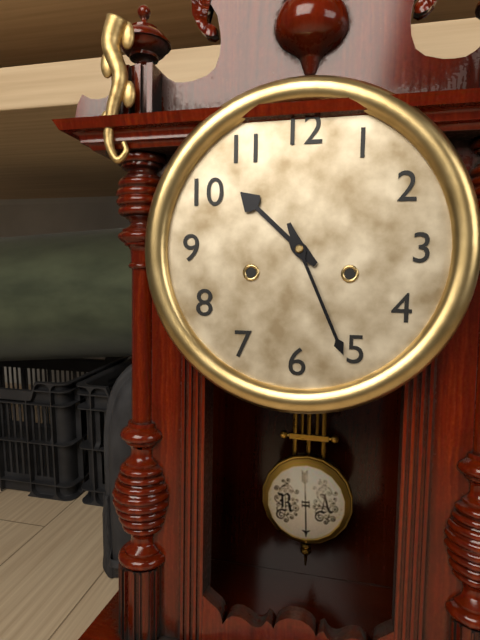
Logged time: h=10 m=26
